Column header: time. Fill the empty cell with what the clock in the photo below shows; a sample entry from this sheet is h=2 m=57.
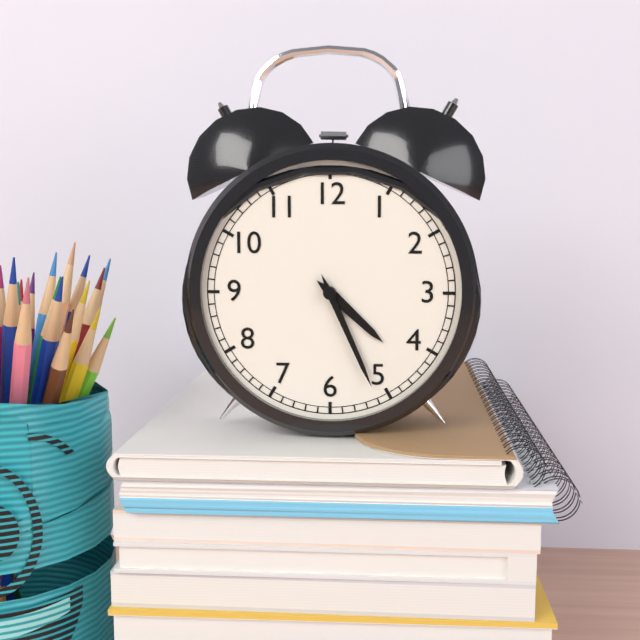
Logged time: h=4 m=26
